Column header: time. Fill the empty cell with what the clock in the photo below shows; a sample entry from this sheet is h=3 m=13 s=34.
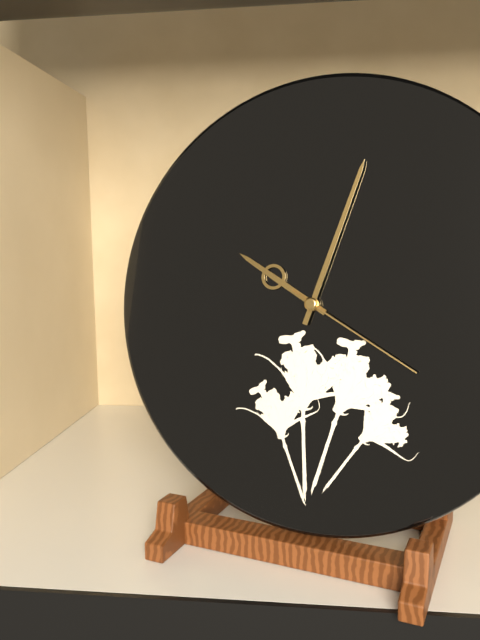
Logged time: h=10 m=3 s=20
